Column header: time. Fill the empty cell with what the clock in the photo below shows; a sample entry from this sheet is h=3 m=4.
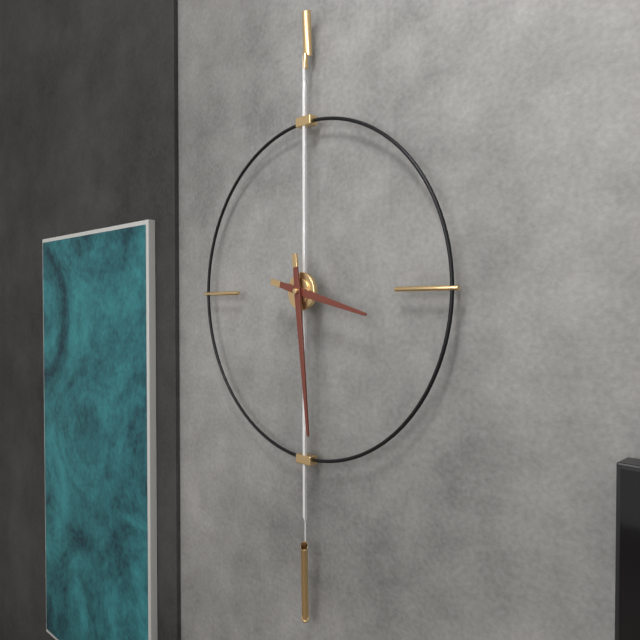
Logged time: h=3 m=29
